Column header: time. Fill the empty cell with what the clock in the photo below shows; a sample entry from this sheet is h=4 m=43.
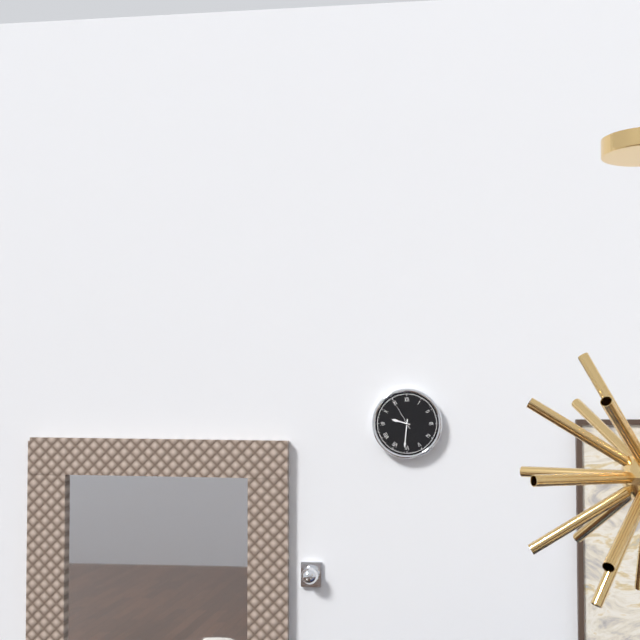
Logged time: h=9 m=31
